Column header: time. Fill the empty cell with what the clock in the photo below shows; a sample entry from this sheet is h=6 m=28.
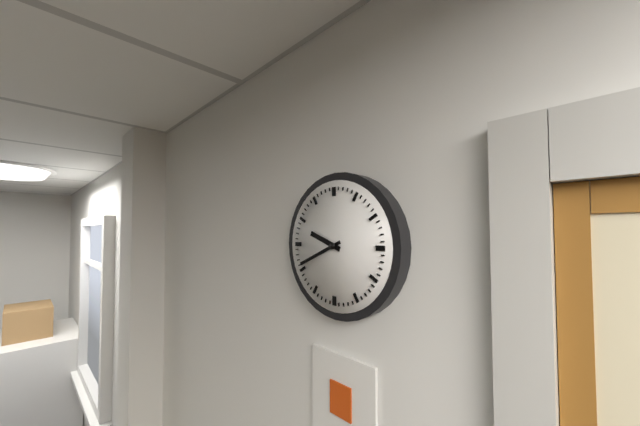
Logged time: h=9 m=41
